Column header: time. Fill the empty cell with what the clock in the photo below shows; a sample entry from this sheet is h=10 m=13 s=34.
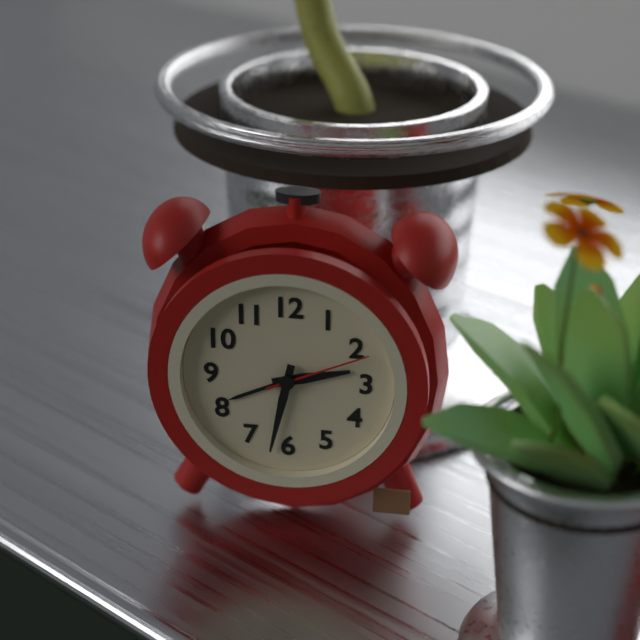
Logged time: h=2 m=32 s=11
